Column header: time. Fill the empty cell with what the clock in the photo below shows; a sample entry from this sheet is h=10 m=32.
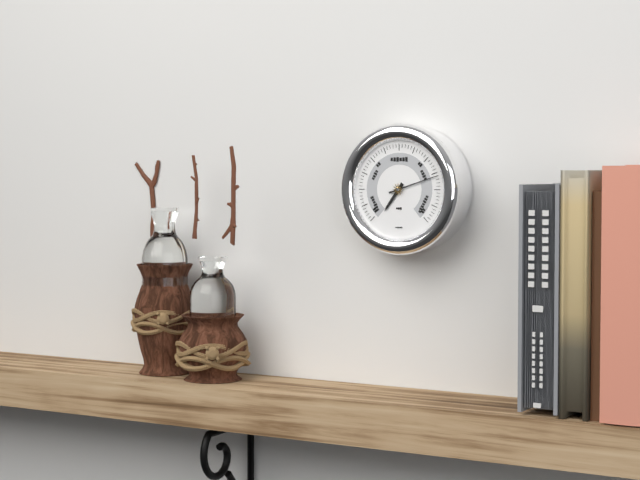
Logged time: h=7 m=12
